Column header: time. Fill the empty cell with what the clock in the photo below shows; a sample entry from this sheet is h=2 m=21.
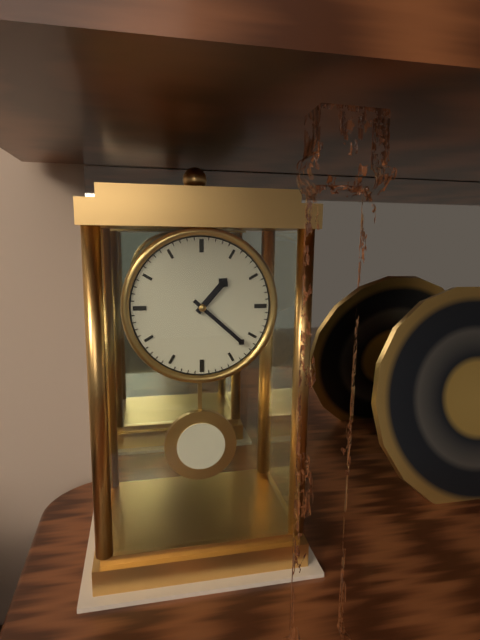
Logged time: h=1 m=22
